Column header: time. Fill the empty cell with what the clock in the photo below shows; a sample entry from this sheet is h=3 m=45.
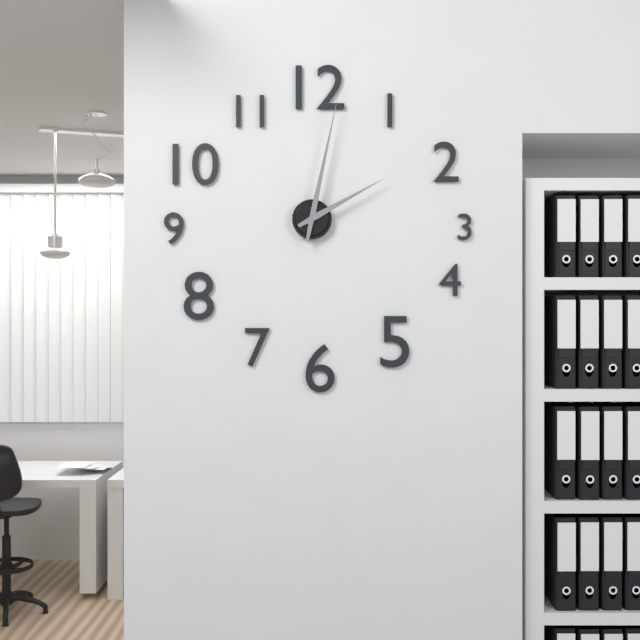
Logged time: h=2 m=2
